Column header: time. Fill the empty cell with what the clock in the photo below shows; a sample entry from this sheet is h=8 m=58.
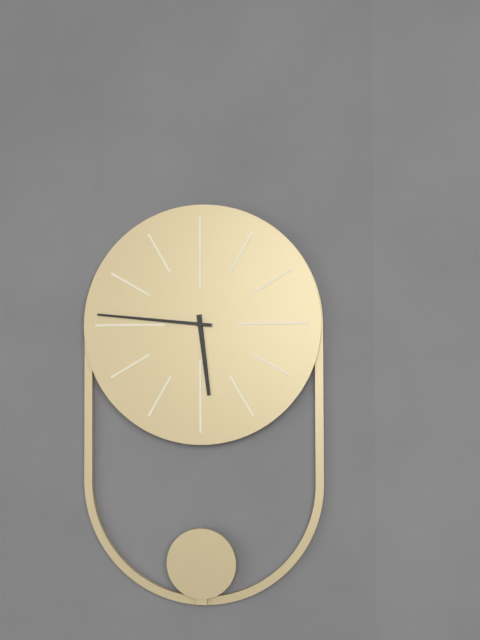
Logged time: h=5 m=46
